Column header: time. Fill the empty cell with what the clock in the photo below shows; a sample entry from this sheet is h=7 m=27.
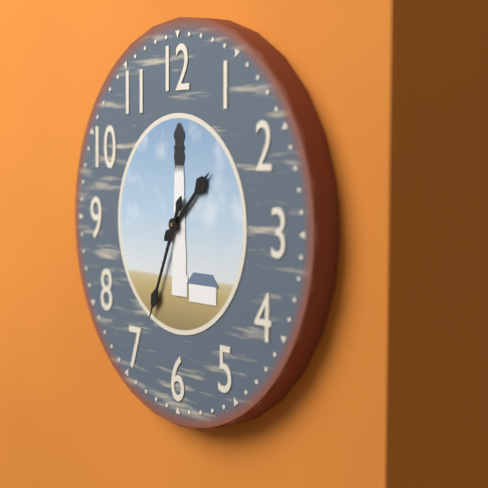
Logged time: h=1 m=34
